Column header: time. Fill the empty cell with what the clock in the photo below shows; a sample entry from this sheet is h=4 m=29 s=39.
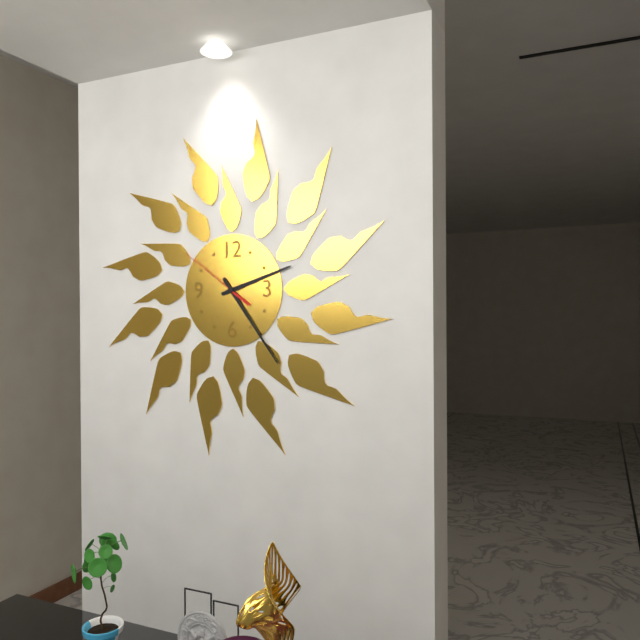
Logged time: h=2 m=24 s=51
